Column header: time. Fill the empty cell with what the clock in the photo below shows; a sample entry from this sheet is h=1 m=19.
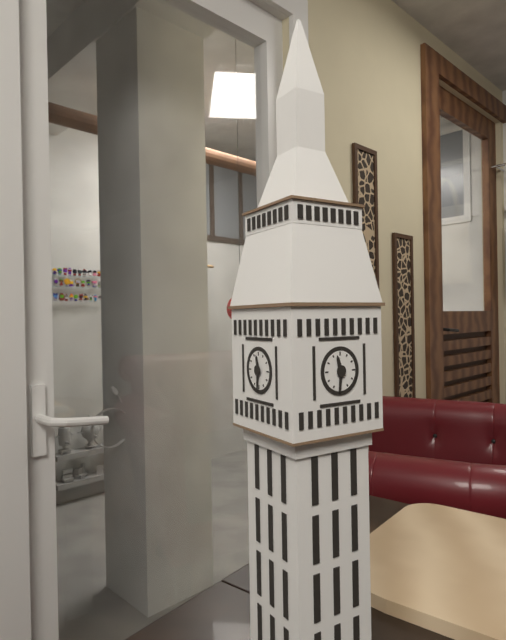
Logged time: h=11 m=31
